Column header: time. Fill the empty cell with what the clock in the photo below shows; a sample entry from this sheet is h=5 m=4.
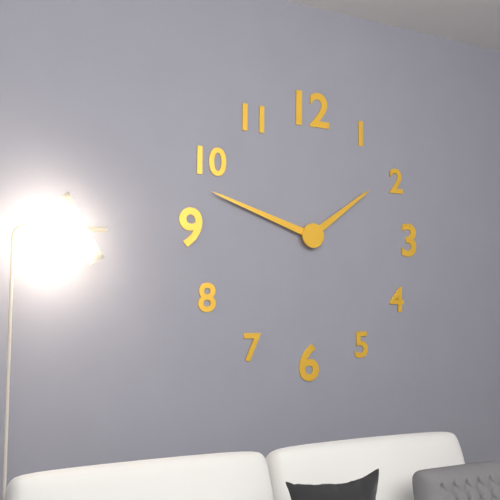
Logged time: h=1 m=48
